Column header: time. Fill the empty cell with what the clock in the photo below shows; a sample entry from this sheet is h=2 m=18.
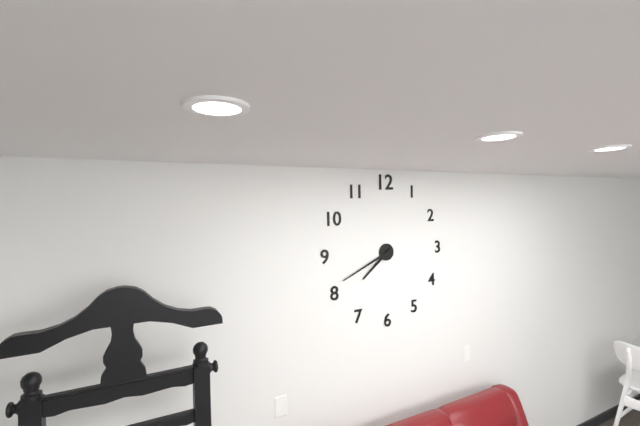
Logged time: h=7 m=41
